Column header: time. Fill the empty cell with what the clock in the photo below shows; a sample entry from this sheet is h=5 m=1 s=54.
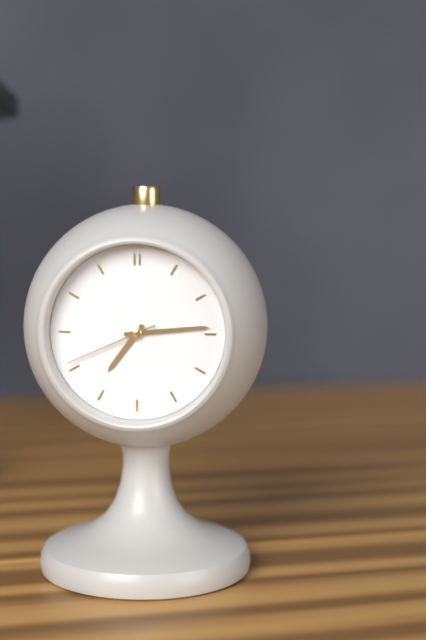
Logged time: h=7 m=14 s=41
